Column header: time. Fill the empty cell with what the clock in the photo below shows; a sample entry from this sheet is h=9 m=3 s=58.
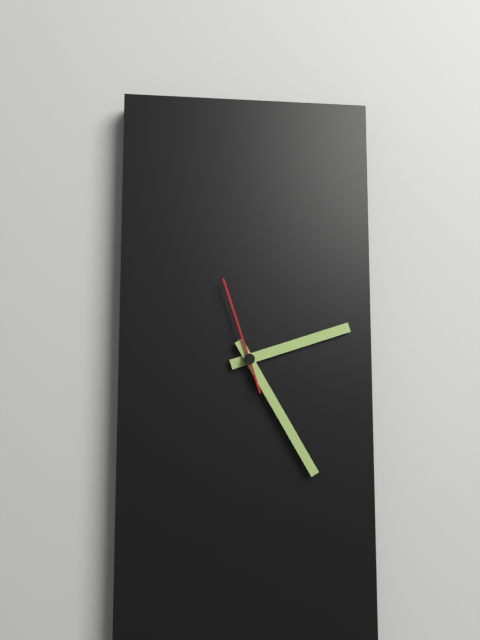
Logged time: h=2 m=25 s=57
